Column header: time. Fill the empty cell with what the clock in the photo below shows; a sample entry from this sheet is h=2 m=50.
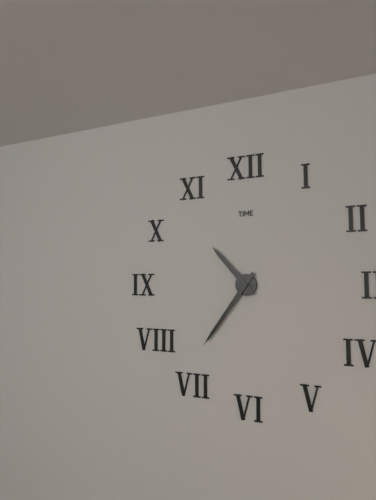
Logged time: h=10 m=36
